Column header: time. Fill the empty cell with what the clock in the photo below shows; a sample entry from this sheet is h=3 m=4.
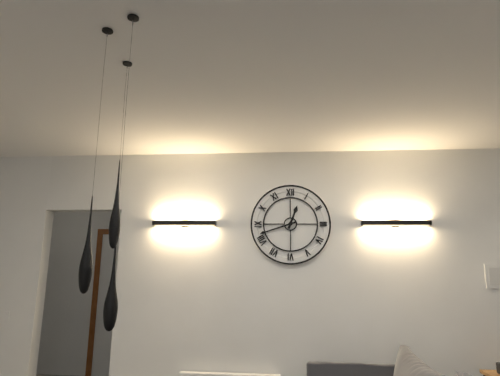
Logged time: h=12 m=42
